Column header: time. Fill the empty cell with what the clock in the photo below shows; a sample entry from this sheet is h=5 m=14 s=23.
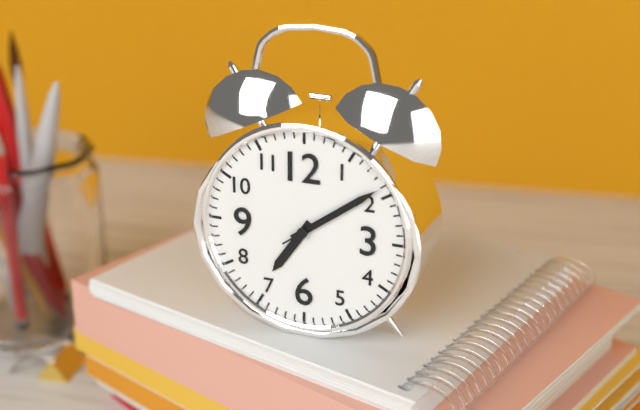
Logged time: h=7 m=9 s=9
